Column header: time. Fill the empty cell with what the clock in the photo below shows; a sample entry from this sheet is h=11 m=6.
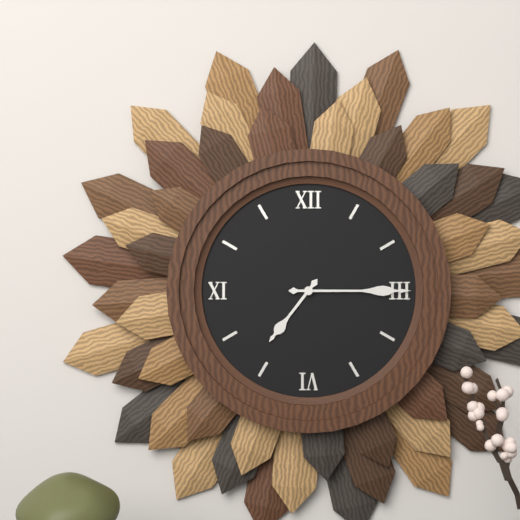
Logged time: h=7 m=15
